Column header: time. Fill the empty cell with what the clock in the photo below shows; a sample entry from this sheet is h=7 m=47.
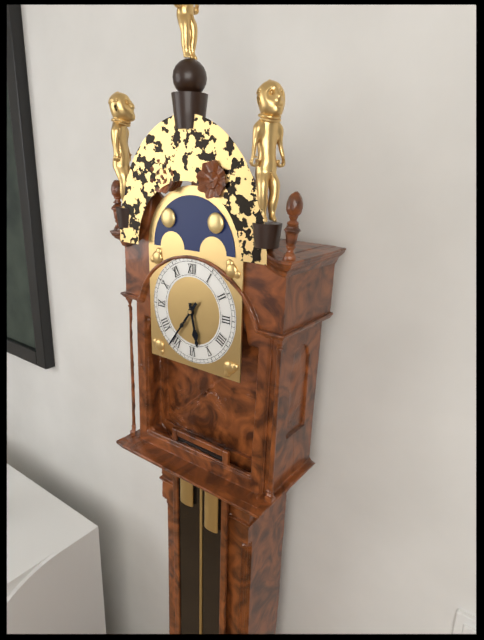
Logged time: h=5 m=36
